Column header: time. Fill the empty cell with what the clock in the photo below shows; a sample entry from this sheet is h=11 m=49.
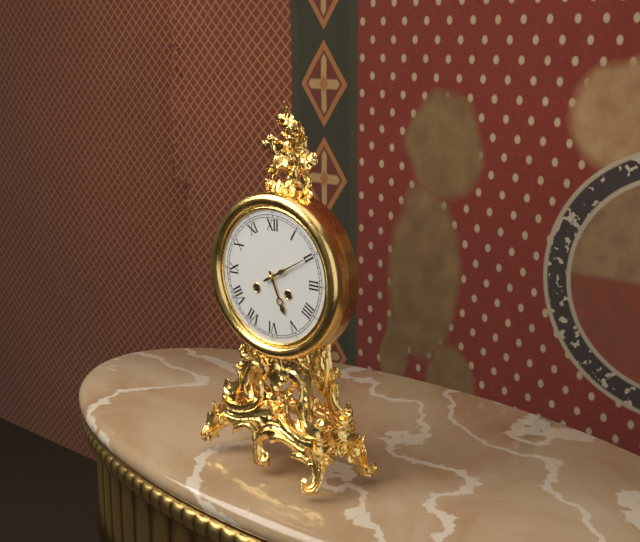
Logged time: h=5 m=10
